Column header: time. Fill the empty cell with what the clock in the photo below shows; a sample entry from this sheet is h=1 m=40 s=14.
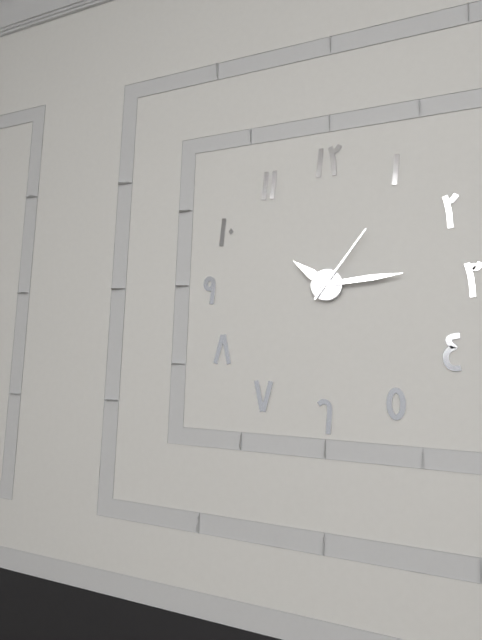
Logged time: h=10 m=14 s=6
